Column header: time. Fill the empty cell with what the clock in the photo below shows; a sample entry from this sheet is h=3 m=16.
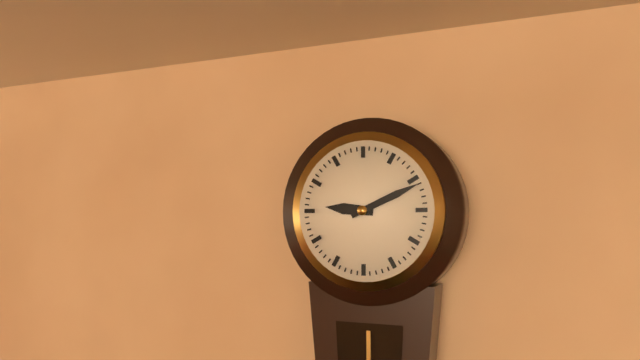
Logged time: h=9 m=11
